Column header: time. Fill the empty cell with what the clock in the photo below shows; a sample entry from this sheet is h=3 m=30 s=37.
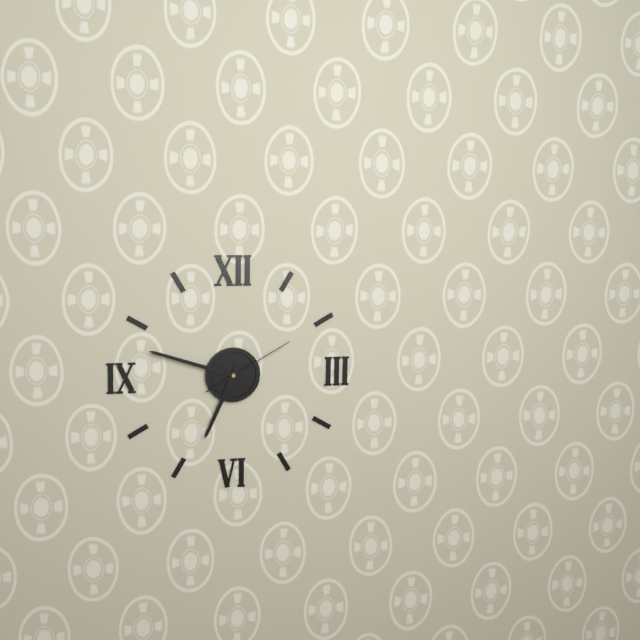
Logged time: h=6 m=48 s=10
